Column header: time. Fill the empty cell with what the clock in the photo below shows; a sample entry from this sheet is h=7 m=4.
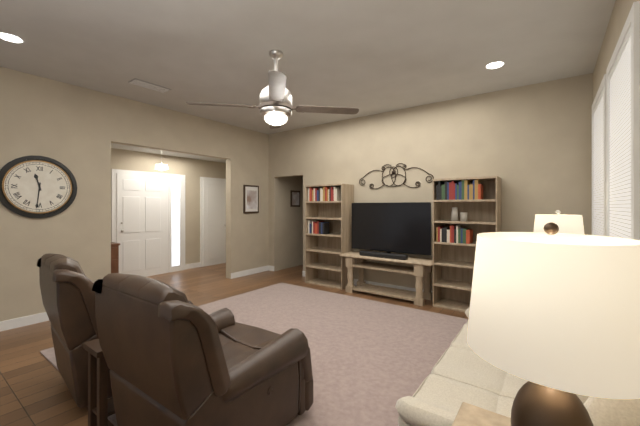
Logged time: h=11 m=31
